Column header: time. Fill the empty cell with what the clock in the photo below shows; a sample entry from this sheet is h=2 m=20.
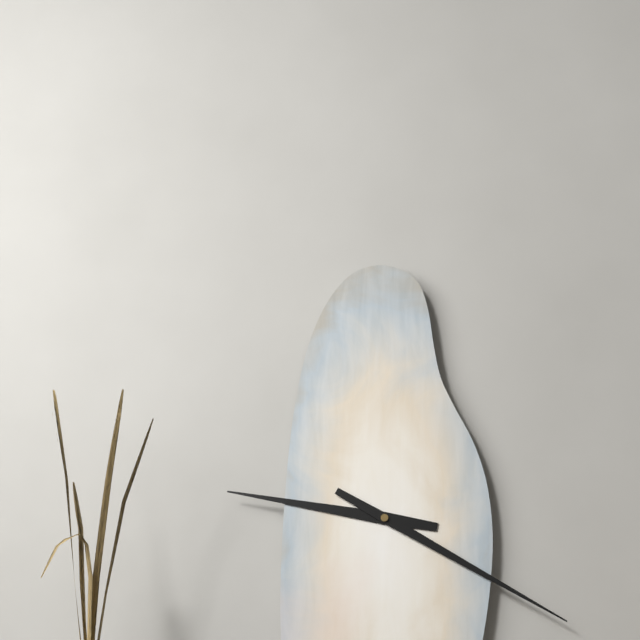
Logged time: h=9 m=20
